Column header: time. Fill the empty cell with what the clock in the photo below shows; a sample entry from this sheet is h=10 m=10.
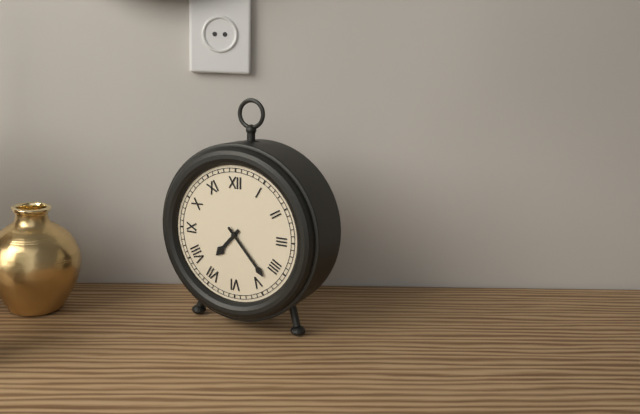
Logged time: h=7 m=23
